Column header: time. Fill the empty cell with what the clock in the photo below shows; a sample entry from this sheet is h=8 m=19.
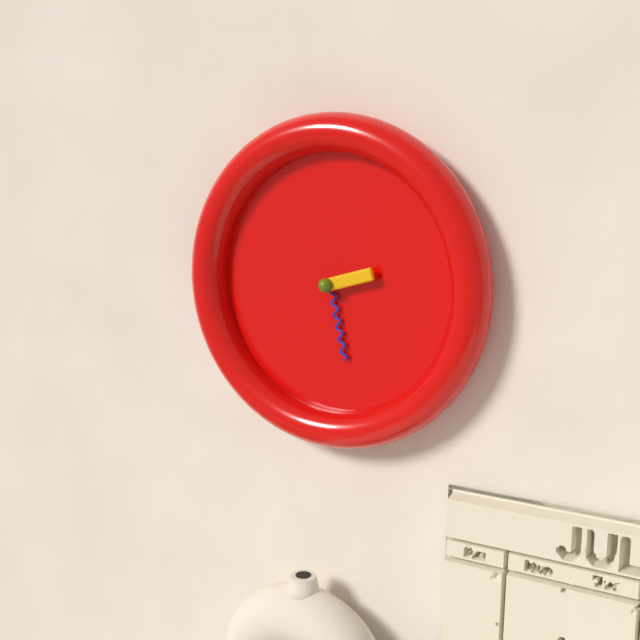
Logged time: h=2 m=28
